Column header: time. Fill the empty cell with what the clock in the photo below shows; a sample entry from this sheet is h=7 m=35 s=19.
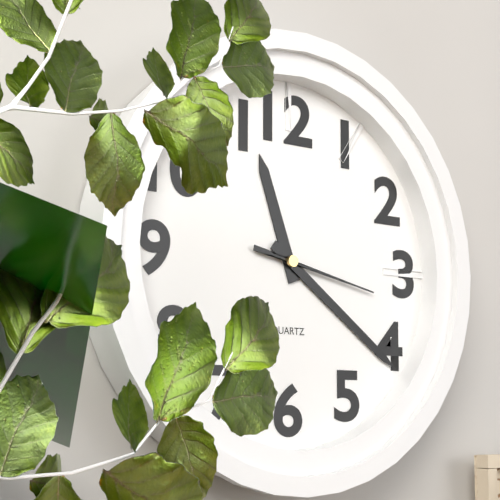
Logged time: h=11 m=21 s=17
